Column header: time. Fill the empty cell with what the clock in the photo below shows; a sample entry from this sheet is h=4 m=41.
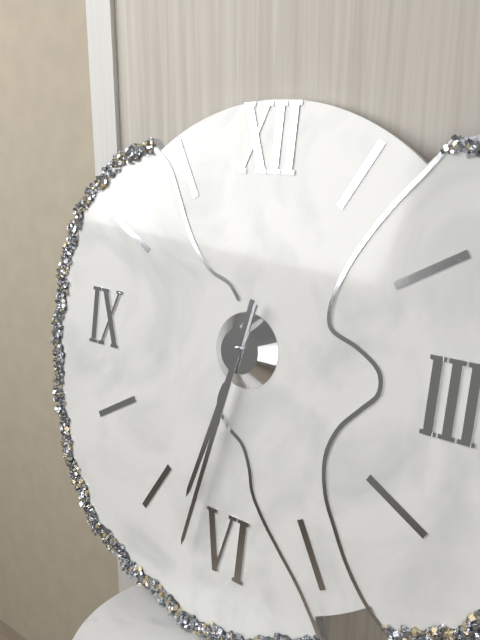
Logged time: h=6 m=32
